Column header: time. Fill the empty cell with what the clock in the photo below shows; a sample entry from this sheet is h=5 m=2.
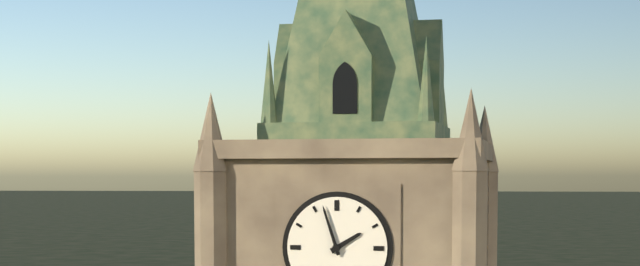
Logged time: h=1 m=57
